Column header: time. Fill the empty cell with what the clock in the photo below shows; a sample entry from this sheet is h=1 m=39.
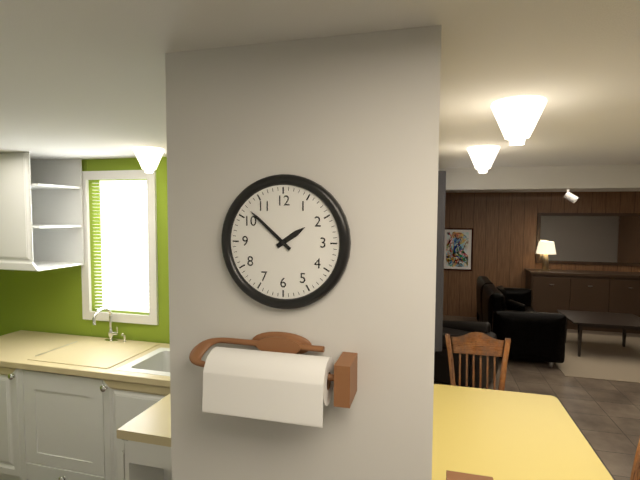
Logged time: h=1 m=52
